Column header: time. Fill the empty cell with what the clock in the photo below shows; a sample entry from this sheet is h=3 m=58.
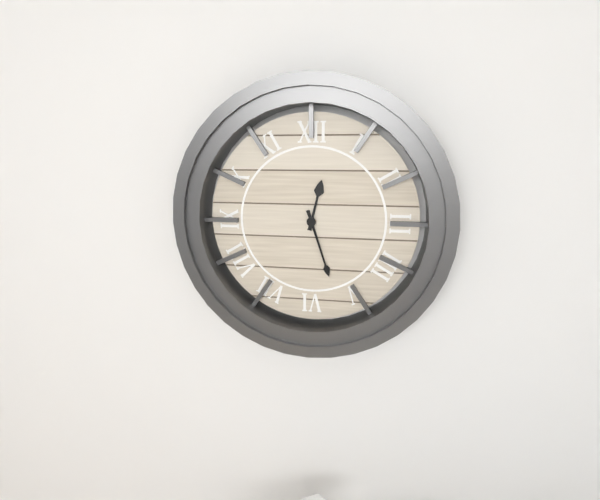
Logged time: h=12 m=27
